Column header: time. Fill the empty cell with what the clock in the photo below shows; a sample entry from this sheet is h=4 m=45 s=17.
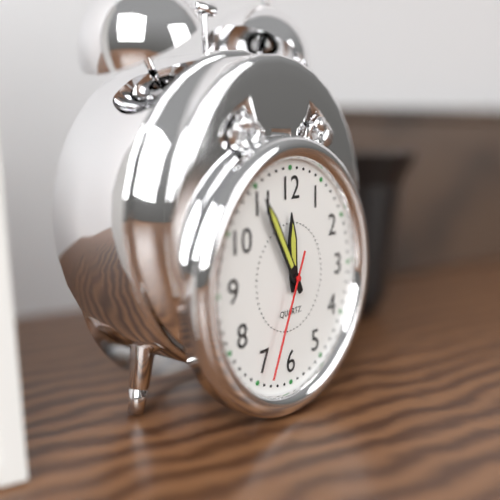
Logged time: h=11 m=55 s=34
